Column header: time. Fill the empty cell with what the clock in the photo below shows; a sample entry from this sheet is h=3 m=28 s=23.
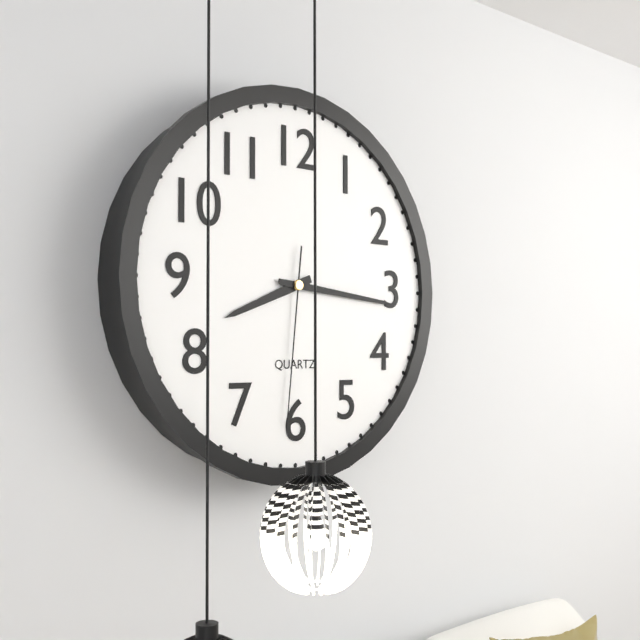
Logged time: h=8 m=16 s=31
